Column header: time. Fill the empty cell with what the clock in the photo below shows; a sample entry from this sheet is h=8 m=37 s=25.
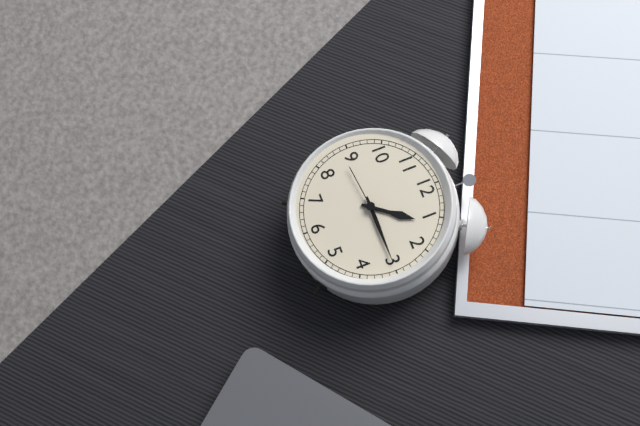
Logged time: h=1 m=15 s=44
